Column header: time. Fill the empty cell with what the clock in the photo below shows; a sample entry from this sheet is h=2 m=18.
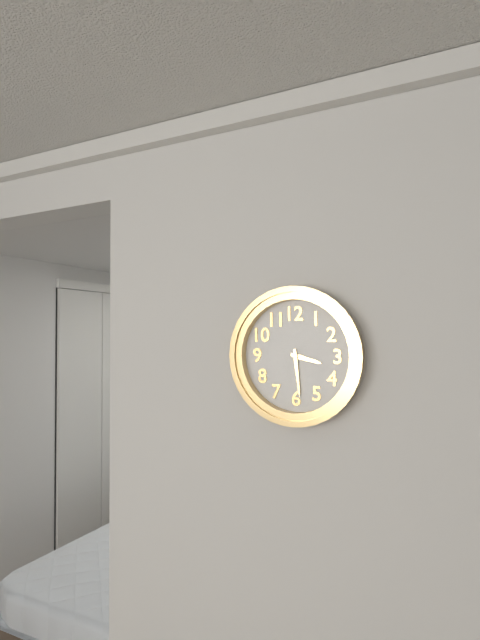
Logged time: h=3 m=29
